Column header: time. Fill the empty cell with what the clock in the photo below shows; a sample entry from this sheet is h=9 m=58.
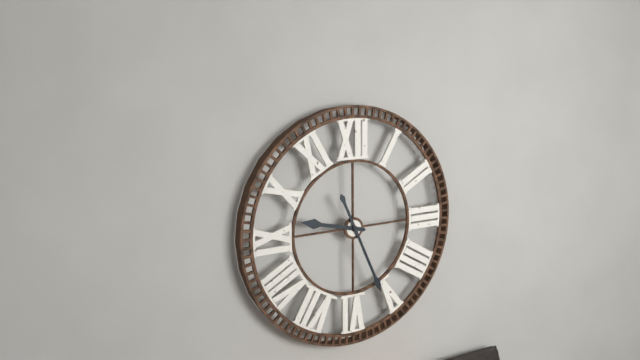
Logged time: h=9 m=26
